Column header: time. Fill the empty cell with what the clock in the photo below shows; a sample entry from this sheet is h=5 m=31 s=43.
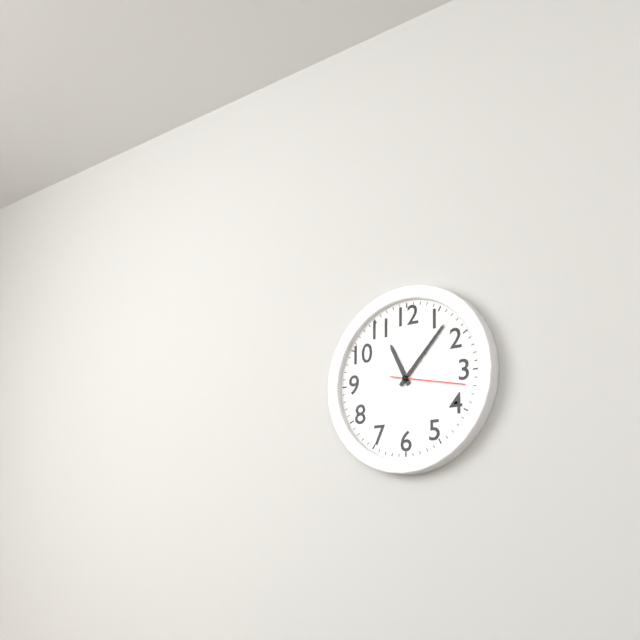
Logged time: h=11 m=7 s=17
